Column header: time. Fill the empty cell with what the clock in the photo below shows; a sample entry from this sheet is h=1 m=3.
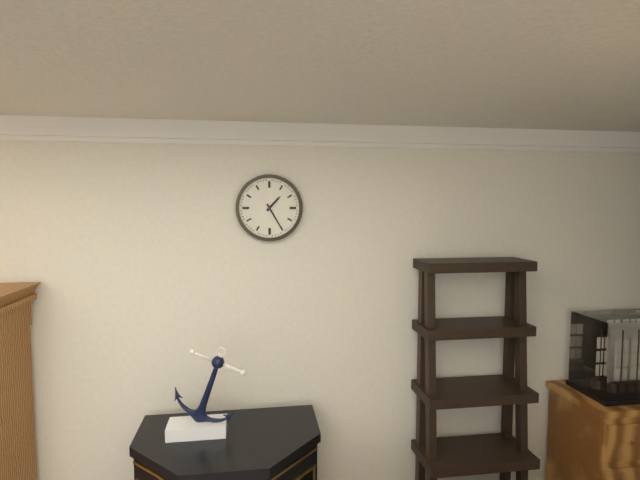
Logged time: h=1 m=25
